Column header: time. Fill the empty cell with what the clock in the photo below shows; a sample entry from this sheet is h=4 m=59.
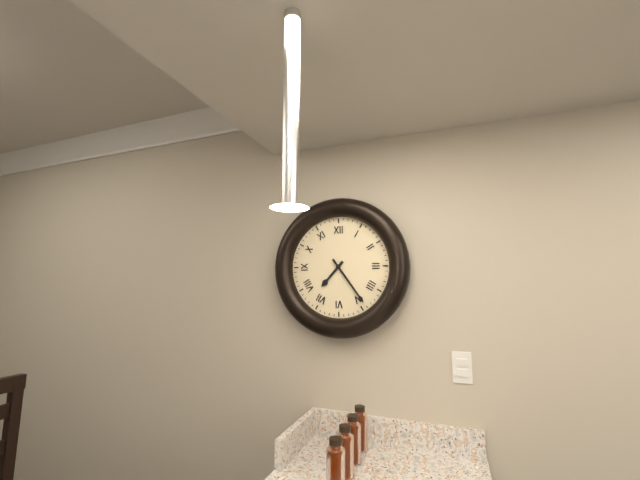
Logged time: h=7 m=24
